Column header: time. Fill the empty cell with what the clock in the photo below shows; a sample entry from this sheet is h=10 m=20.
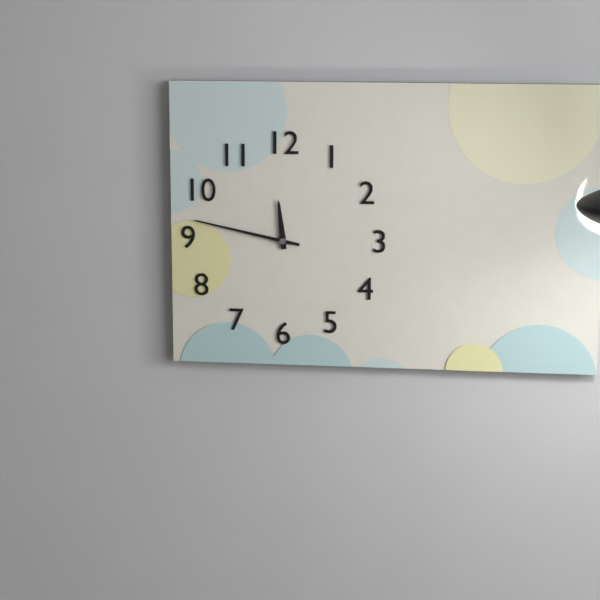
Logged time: h=11 m=47
